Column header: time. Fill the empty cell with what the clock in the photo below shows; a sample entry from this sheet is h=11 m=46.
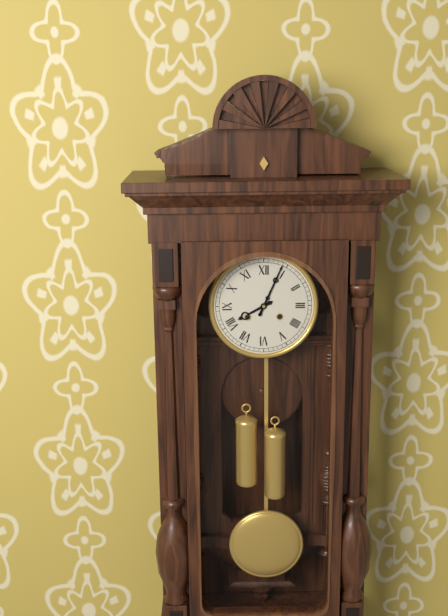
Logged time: h=8 m=4
